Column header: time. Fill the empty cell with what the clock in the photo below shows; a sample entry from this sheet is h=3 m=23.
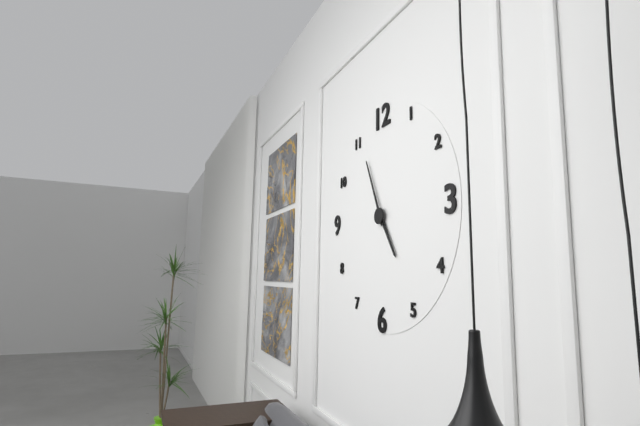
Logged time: h=4 m=56
